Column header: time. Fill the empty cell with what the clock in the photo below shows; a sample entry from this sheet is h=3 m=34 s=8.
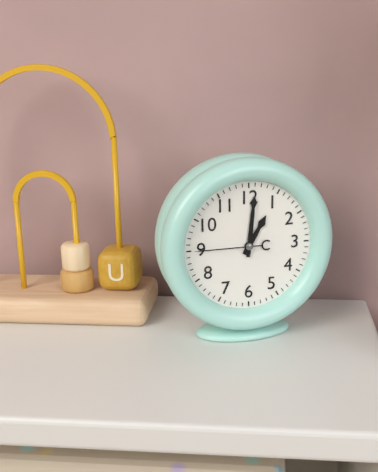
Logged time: h=1 m=1 s=45
